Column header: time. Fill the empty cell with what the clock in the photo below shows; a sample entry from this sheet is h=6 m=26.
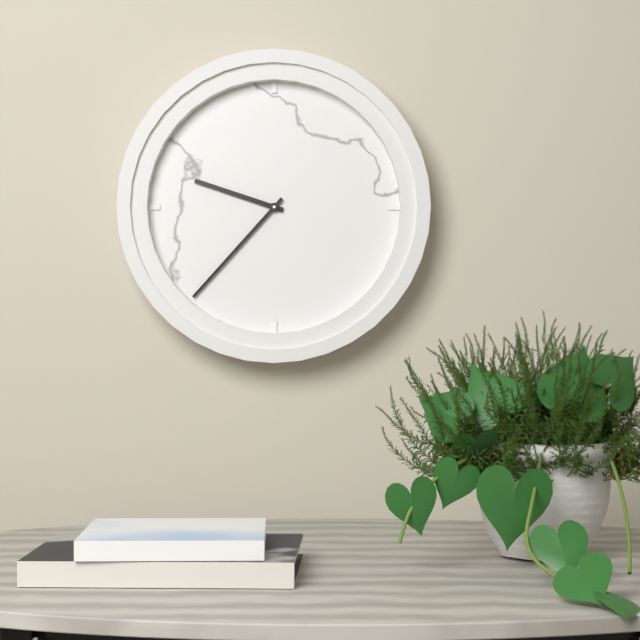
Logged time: h=9 m=37
